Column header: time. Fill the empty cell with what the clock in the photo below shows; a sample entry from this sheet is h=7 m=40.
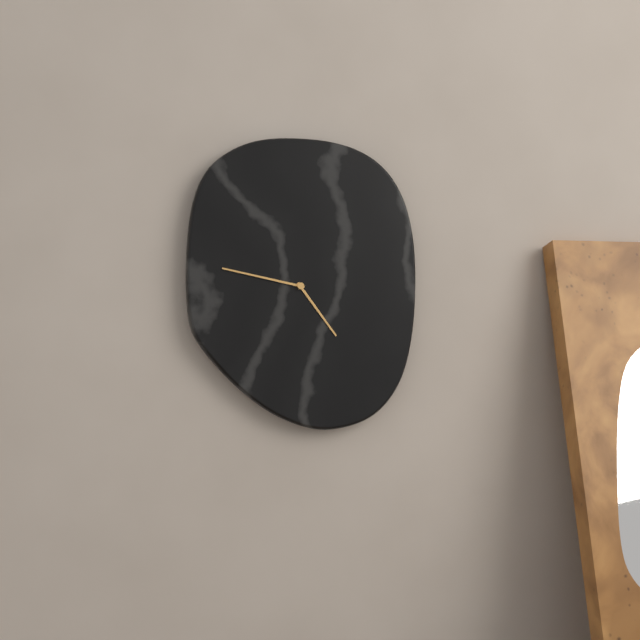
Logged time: h=4 m=47
